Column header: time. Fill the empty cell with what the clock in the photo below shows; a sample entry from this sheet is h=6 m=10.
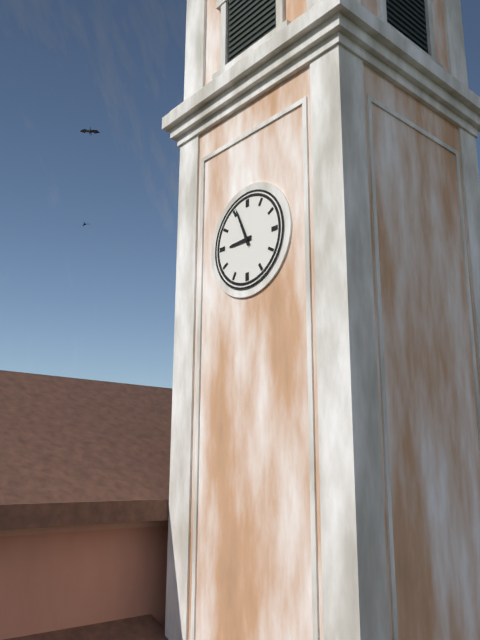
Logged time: h=8 m=56
